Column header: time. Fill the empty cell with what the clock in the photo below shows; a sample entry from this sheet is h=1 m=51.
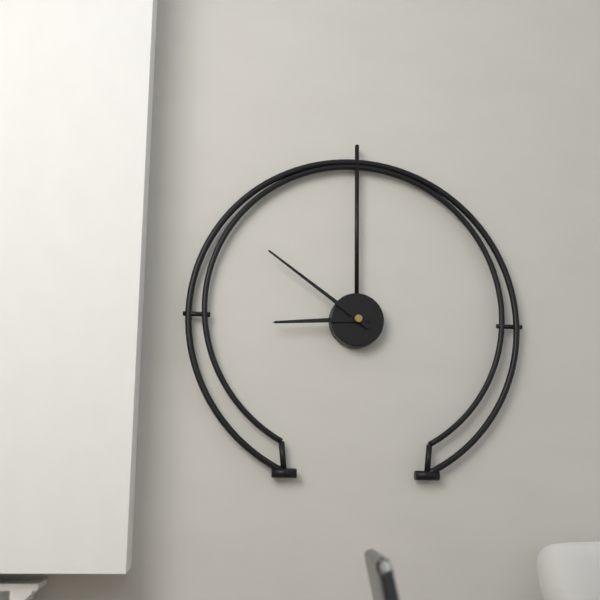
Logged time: h=8 m=51
